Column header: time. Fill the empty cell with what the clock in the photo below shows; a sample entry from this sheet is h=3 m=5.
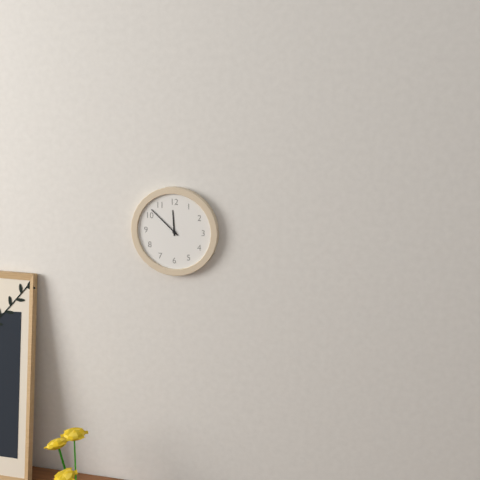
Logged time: h=11 m=52
